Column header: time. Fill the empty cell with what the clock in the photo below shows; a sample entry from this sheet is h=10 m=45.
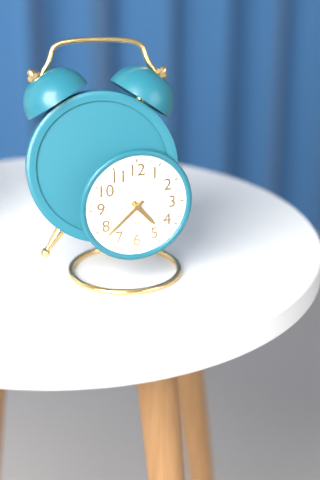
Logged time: h=4 m=38
